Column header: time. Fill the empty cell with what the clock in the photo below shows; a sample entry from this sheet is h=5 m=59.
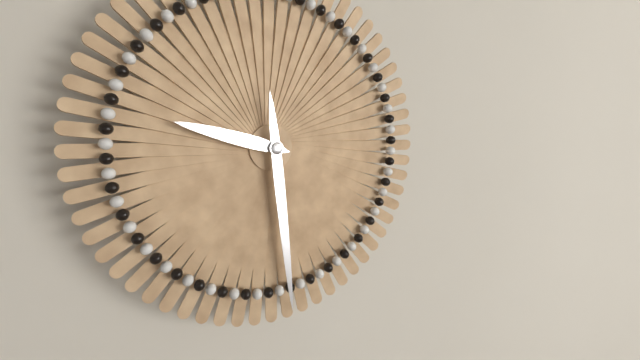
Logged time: h=9 m=29
